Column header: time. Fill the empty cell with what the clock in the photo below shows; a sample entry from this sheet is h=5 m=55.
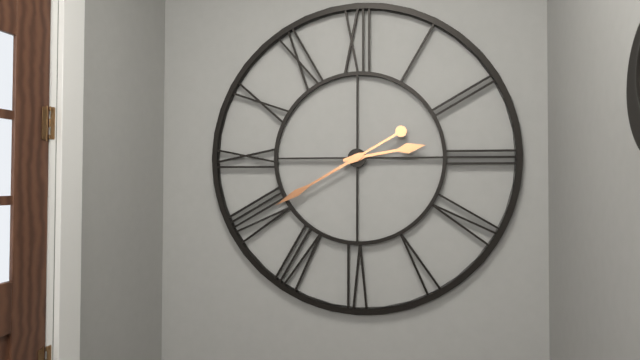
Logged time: h=2 m=40
